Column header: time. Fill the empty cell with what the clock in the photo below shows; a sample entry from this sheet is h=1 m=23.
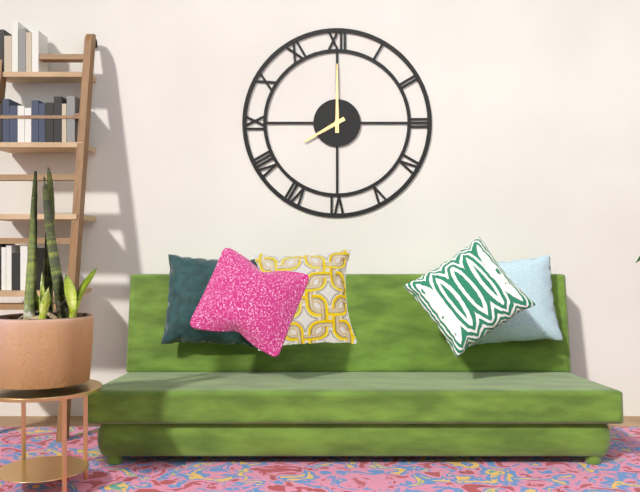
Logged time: h=8 m=0
